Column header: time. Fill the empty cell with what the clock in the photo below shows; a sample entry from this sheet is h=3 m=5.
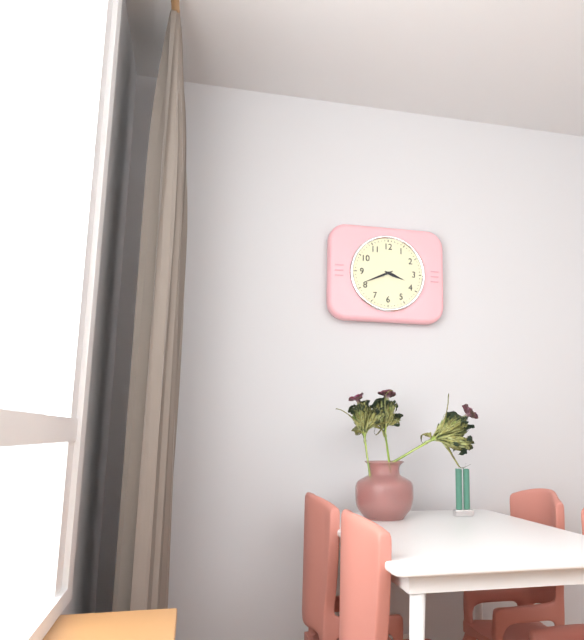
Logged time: h=3 m=41
